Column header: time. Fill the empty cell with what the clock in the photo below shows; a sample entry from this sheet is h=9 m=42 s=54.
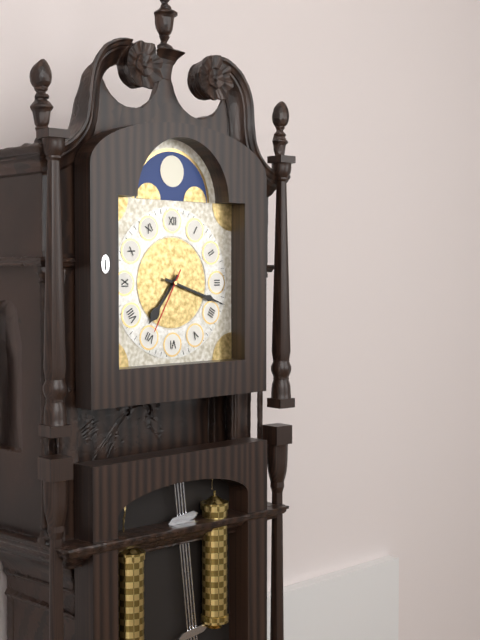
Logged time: h=7 m=18 s=35
